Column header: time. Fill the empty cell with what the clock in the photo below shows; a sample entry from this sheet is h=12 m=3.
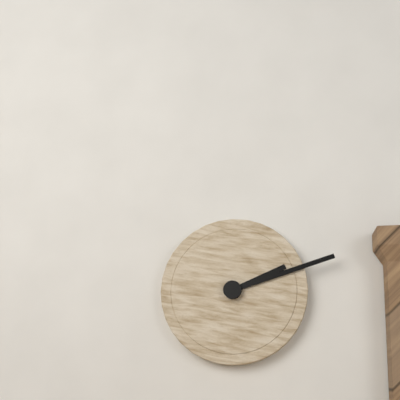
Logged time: h=2 m=12
